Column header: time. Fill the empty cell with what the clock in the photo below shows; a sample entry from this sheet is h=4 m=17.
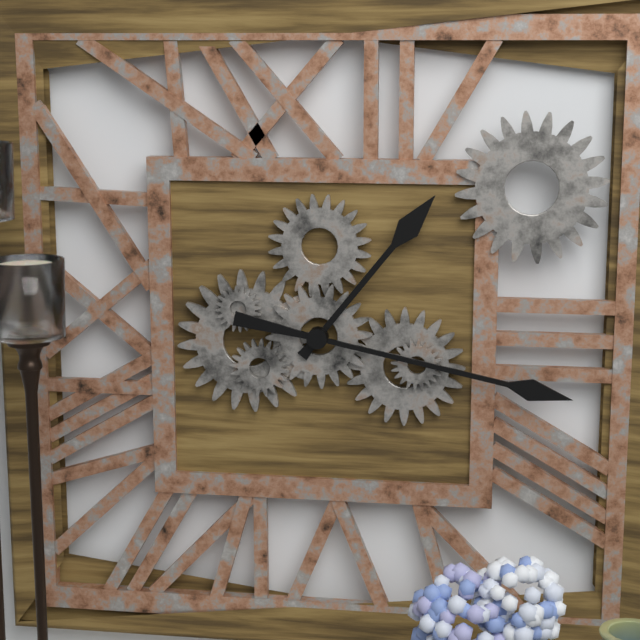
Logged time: h=1 m=17
